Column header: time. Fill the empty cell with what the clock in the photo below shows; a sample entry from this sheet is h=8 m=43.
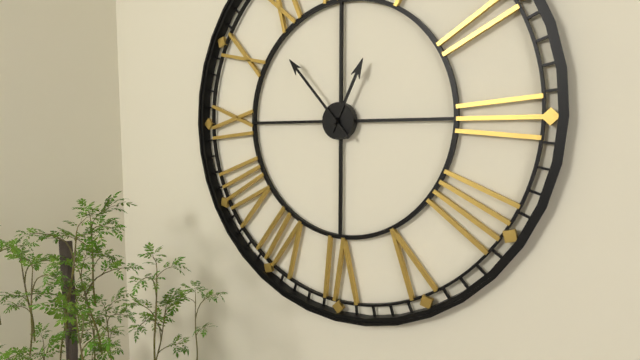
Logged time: h=12 m=53
